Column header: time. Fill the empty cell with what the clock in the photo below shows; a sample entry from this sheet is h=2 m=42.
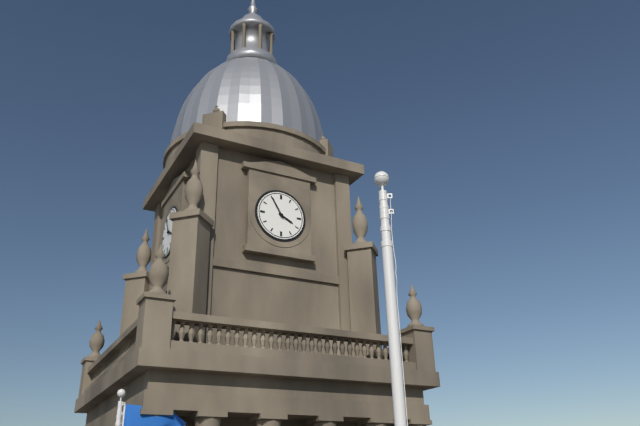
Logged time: h=3 m=55
